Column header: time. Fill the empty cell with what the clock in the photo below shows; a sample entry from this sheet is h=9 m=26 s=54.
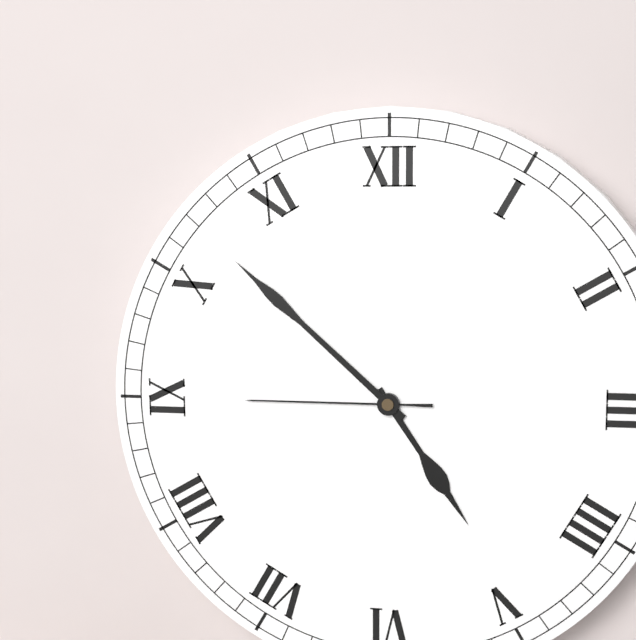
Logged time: h=4 m=52 s=45
